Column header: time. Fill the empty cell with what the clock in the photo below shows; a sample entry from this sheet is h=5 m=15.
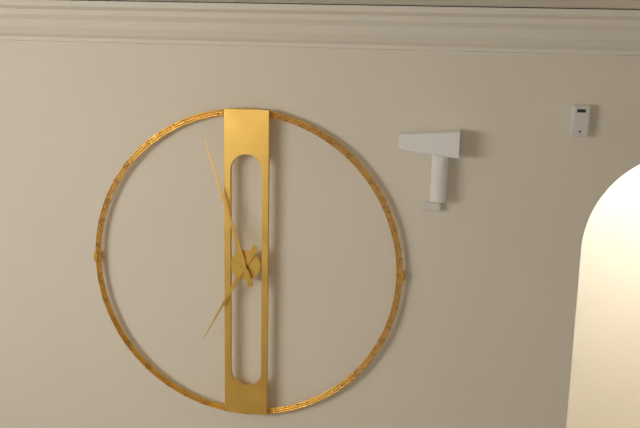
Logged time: h=6 m=57
